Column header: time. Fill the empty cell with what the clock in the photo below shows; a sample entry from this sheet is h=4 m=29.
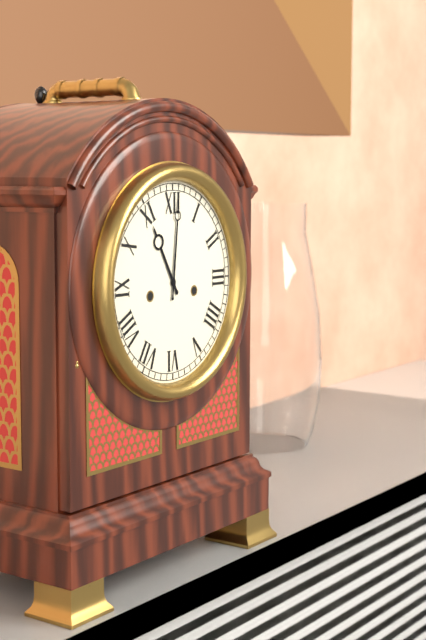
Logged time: h=11 m=1
